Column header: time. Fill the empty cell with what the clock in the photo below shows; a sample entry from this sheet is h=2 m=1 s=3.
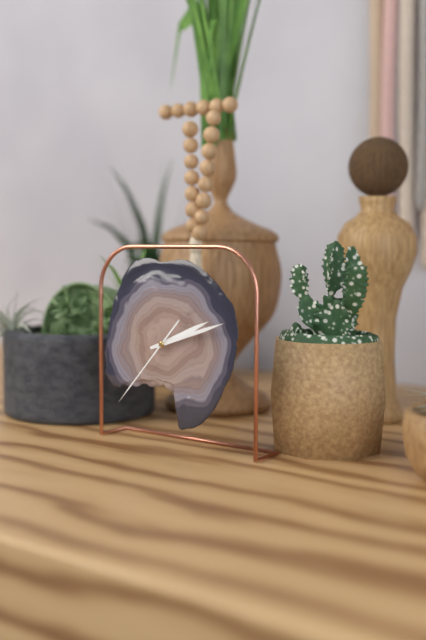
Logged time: h=2 m=12 s=37
